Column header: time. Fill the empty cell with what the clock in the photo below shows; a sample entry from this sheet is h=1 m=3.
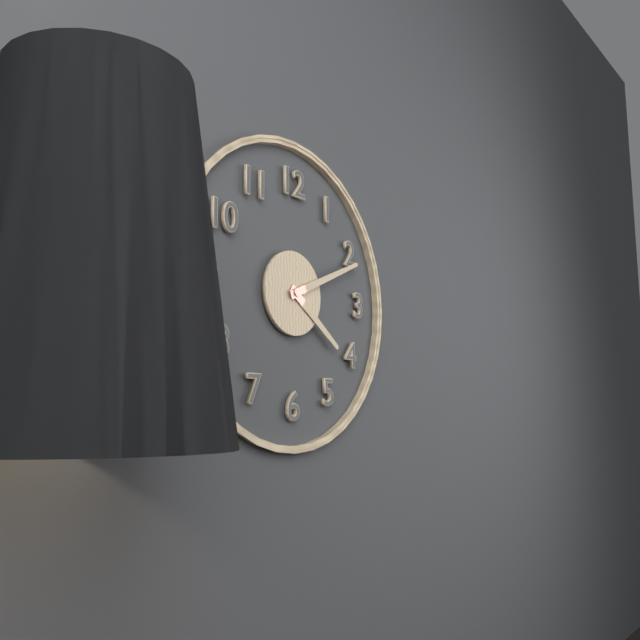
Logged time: h=4 m=11
